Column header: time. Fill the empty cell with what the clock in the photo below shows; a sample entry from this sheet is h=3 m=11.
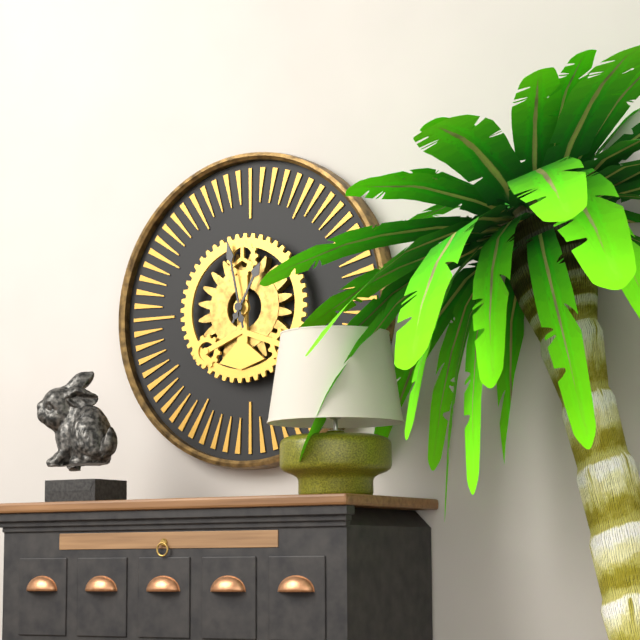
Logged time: h=12 m=58
